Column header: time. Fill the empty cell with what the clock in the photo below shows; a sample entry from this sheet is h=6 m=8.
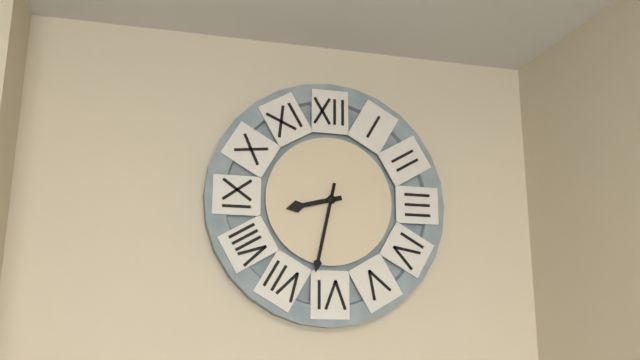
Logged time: h=8 m=32
